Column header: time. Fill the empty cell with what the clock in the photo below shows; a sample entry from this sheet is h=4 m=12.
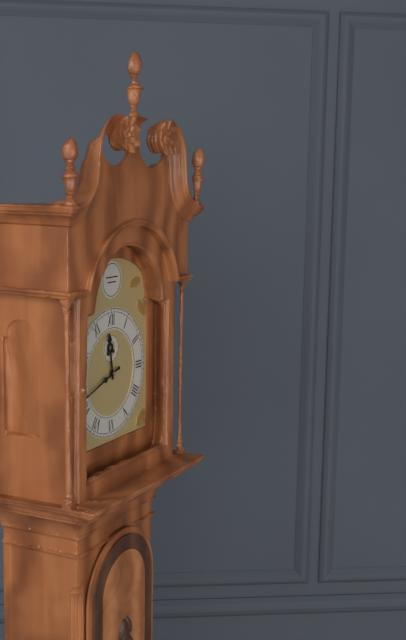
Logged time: h=11 m=42
